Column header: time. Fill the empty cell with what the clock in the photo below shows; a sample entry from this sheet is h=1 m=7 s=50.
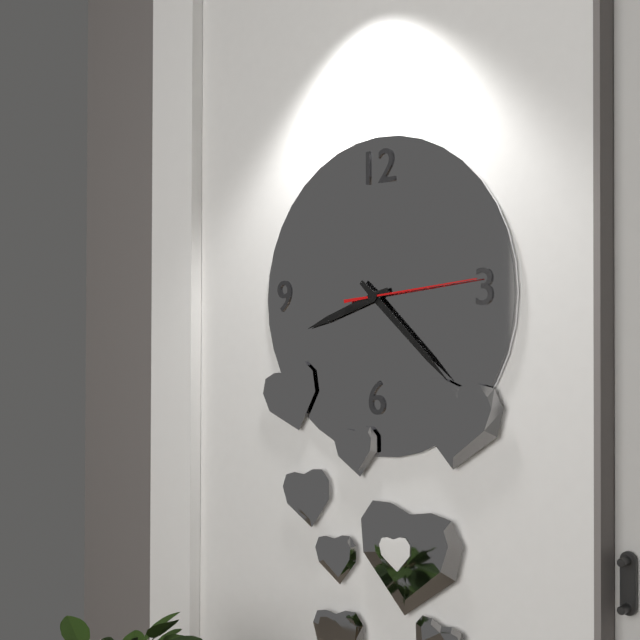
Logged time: h=8 m=22 s=14
